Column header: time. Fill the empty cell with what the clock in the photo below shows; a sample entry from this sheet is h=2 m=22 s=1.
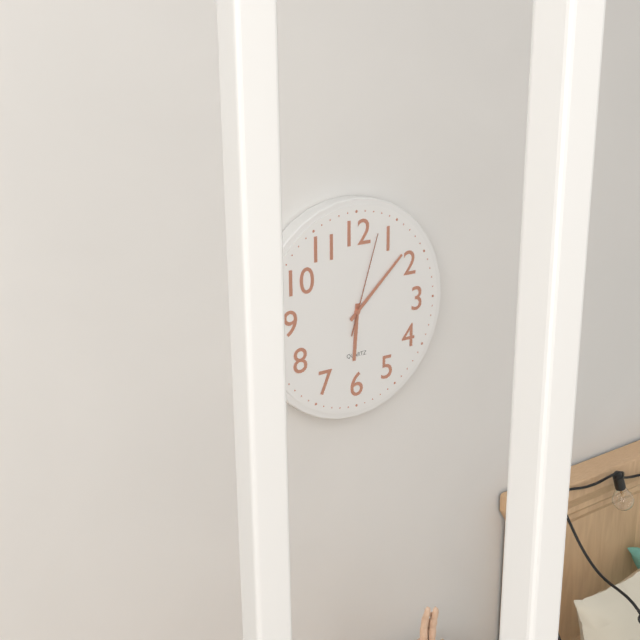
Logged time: h=6 m=8 s=3
